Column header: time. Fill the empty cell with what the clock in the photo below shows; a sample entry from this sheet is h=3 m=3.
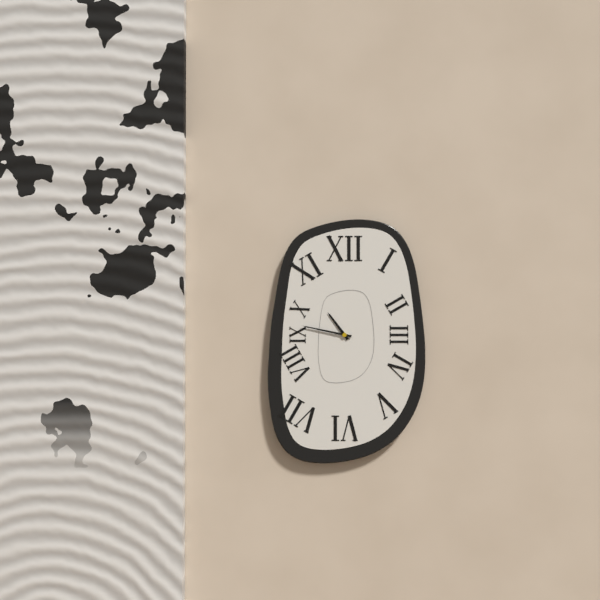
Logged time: h=10 m=47
